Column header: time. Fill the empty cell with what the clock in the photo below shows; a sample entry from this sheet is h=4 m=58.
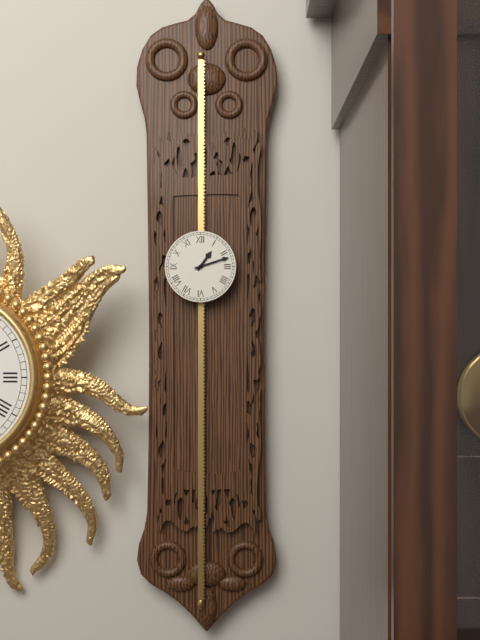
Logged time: h=1 m=12
